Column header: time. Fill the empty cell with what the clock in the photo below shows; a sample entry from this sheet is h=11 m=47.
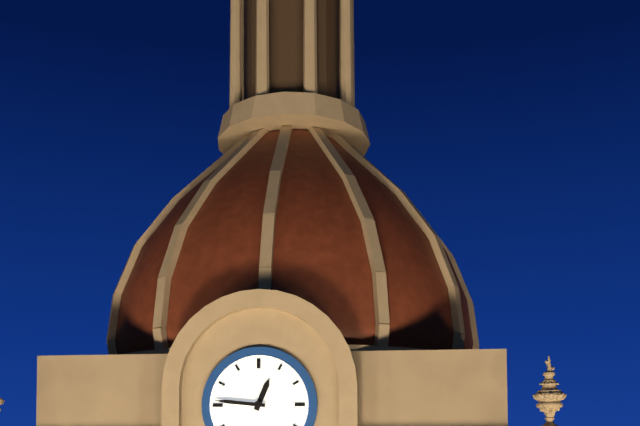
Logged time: h=12 m=46
